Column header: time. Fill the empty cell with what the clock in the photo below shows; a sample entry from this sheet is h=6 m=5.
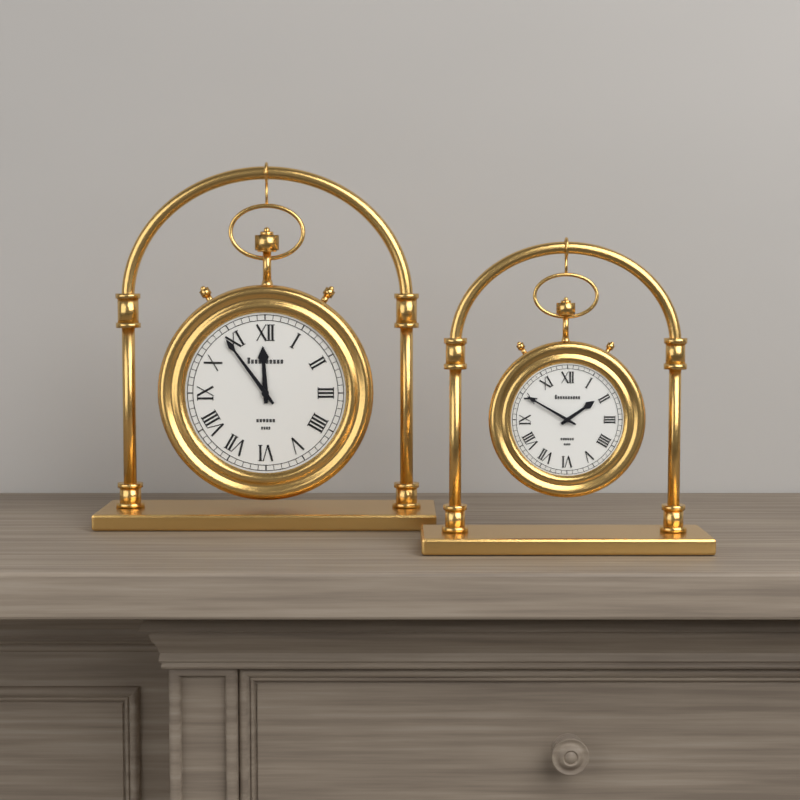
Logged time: h=11 m=54
